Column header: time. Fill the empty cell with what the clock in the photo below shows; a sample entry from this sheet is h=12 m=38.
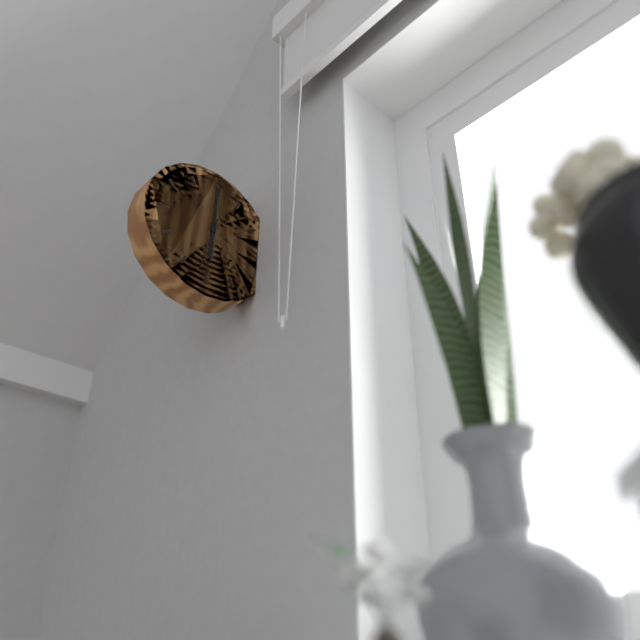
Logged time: h=6 m=0
